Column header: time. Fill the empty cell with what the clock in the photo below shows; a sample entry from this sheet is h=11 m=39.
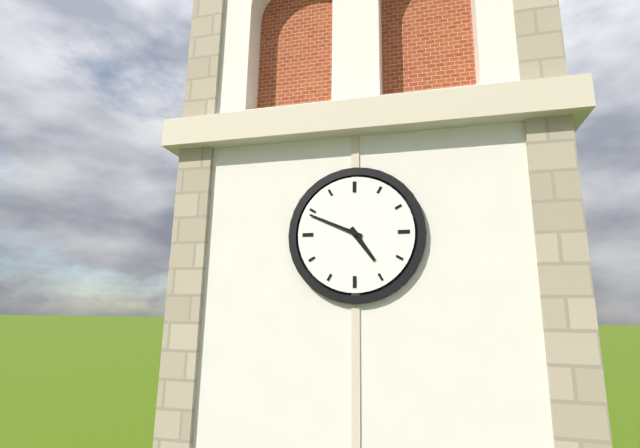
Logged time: h=4 m=49
